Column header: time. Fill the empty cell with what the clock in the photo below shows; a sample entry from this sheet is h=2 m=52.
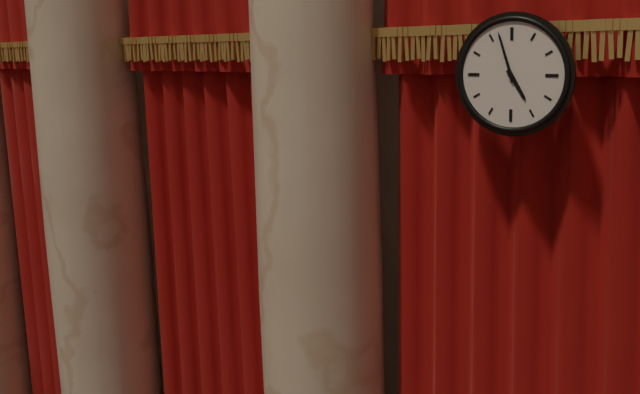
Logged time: h=4 m=57
